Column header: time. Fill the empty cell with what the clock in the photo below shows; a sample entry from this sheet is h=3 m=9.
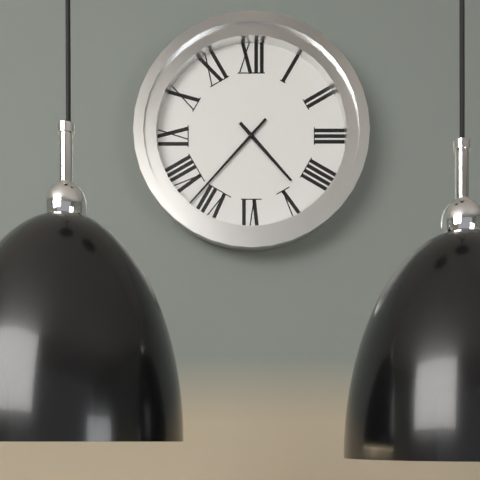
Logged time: h=4 m=37
